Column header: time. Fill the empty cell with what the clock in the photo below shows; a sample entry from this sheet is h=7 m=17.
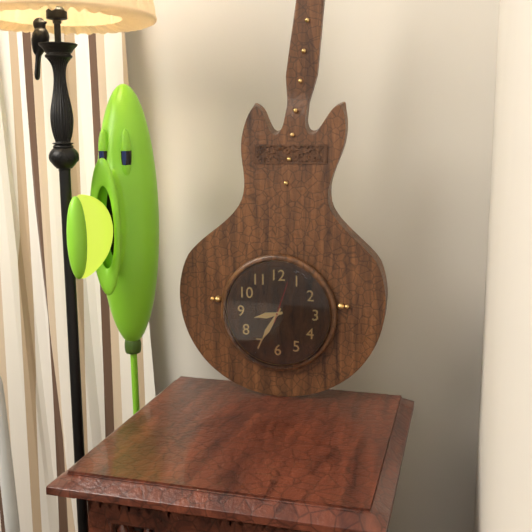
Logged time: h=8 m=35
